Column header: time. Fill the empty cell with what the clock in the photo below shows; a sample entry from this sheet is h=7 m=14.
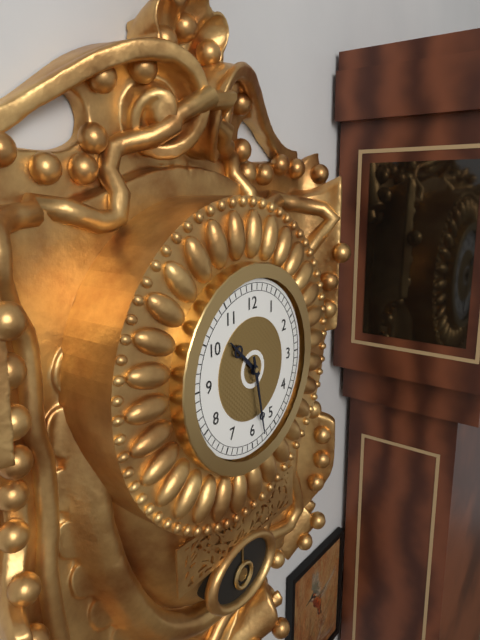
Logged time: h=10 m=28
